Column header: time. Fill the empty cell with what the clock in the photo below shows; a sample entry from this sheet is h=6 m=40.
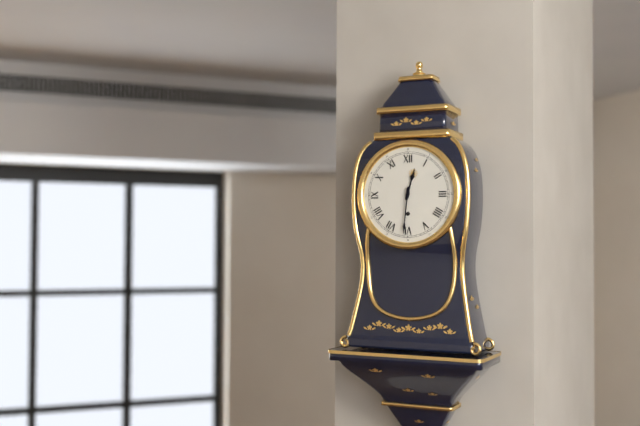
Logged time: h=12 m=31
